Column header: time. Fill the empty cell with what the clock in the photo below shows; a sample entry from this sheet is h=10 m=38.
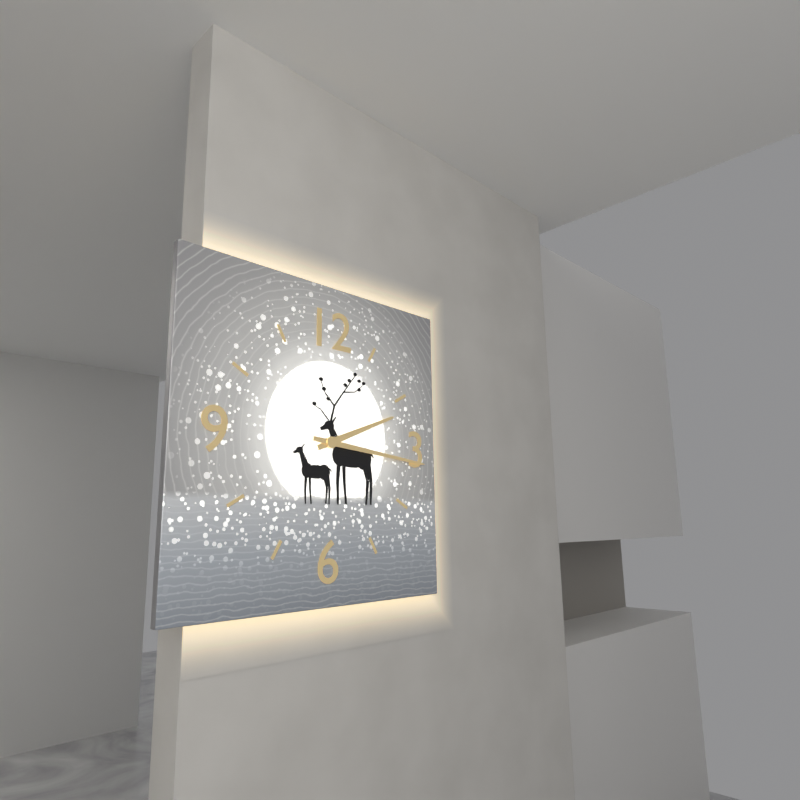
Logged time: h=2 m=16
